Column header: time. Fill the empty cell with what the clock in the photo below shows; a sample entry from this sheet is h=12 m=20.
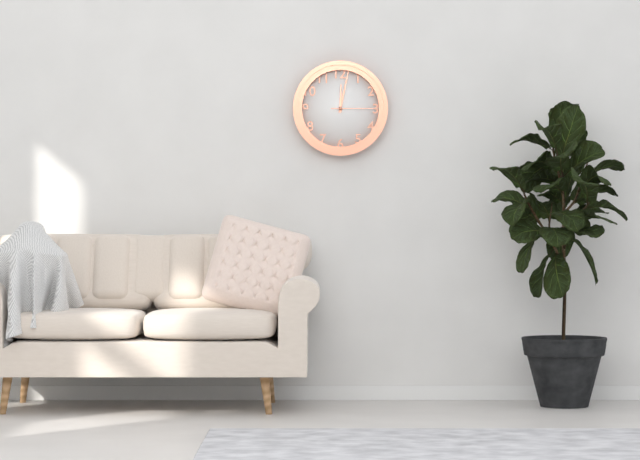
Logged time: h=12 m=2
